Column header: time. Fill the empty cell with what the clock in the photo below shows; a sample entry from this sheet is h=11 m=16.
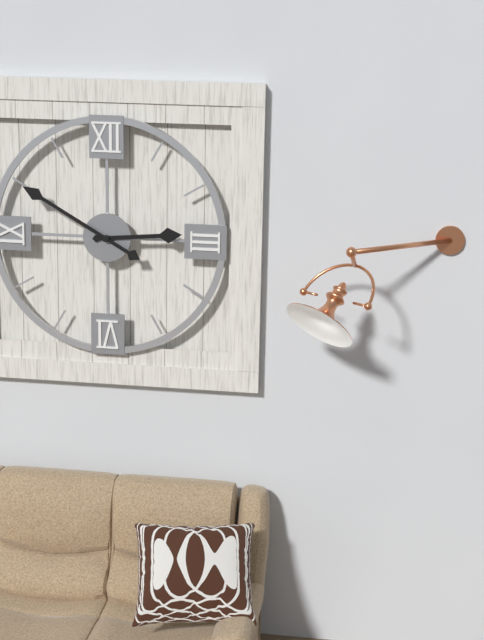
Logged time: h=2 m=50
